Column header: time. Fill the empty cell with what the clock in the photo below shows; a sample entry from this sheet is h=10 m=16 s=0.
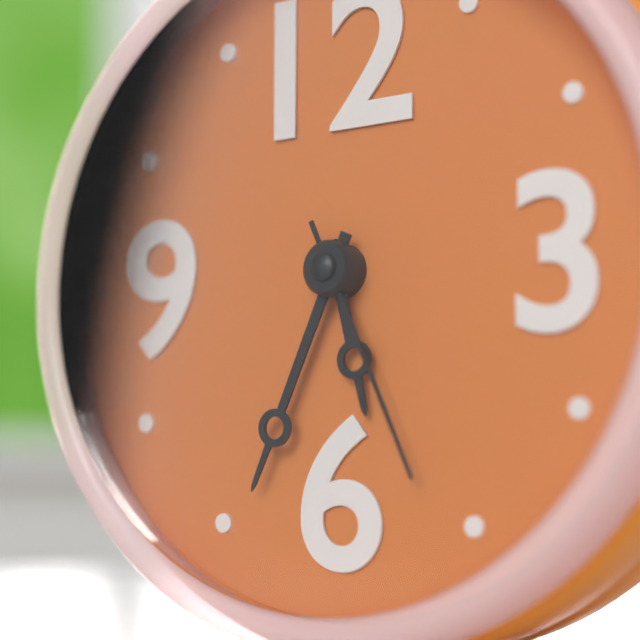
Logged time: h=5 m=34 s=26
